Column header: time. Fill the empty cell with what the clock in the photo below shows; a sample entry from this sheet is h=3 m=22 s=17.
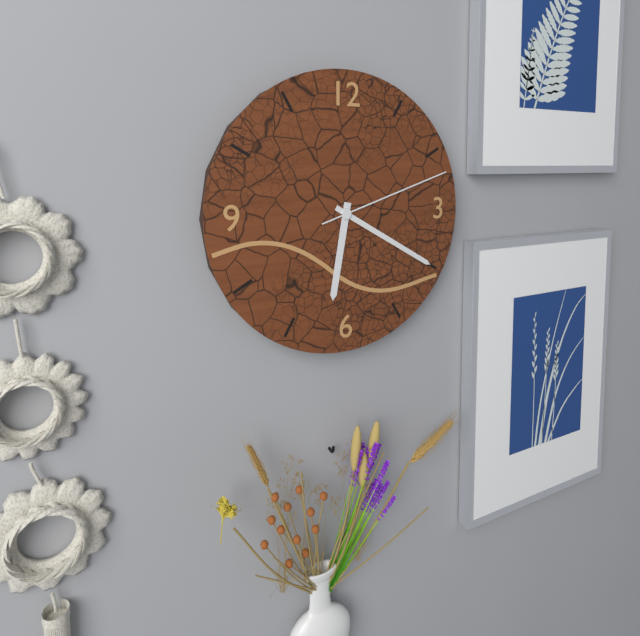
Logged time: h=6 m=20 s=12
